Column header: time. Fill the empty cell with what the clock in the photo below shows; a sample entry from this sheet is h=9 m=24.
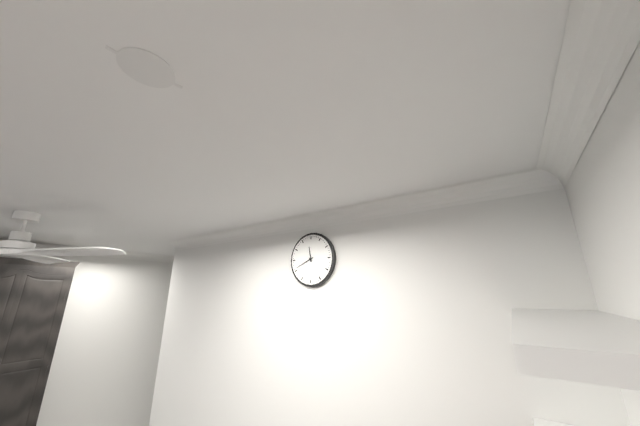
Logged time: h=11 m=41
